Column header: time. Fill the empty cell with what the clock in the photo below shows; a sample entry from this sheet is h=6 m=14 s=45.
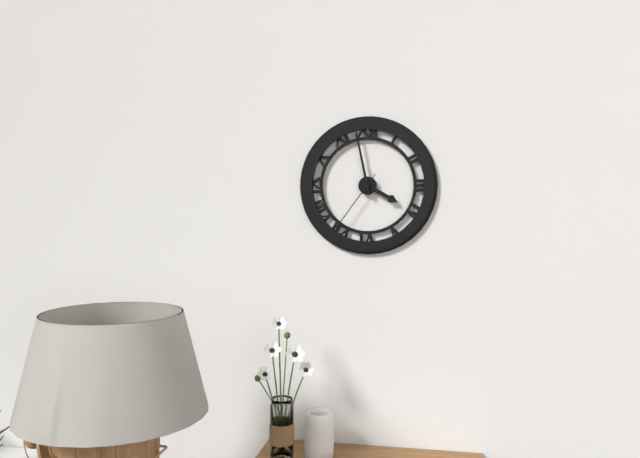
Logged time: h=3 m=58 s=36
